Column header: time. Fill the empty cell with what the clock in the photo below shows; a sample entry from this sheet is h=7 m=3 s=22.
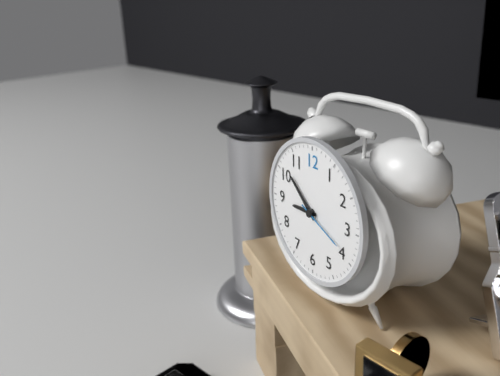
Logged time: h=8 m=52 s=19
